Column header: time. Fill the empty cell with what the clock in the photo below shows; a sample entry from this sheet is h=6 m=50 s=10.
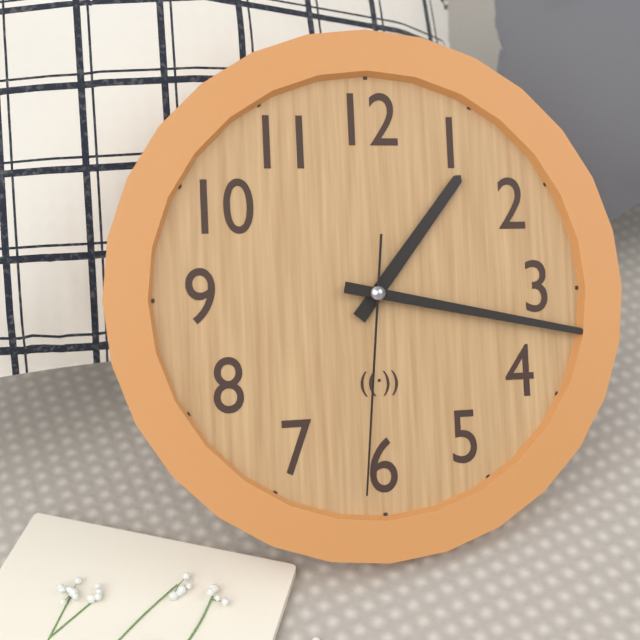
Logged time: h=1 m=17 s=31
